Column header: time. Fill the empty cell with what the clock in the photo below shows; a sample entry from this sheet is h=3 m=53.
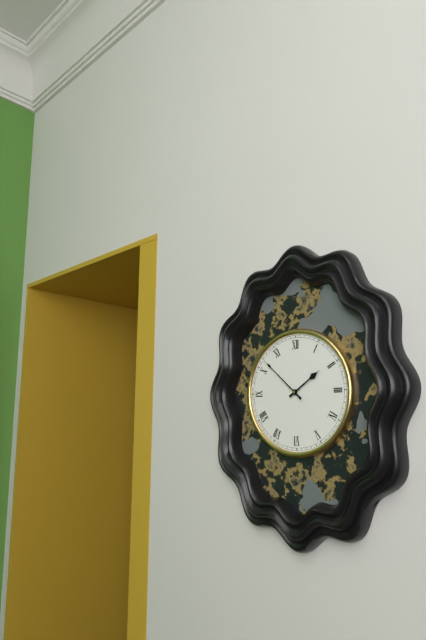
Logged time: h=1 m=52
